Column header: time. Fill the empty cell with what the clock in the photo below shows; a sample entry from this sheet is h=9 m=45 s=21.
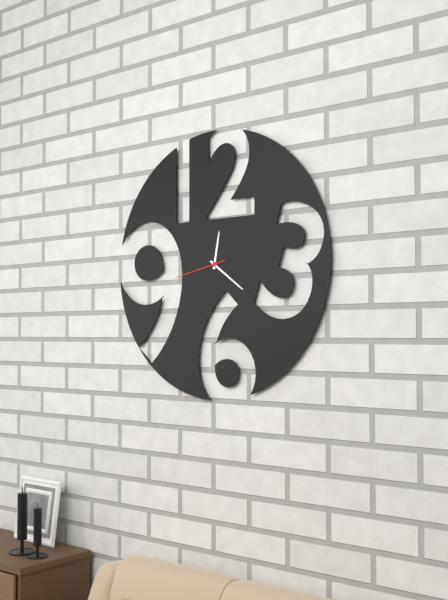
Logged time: h=12 m=21 s=43
